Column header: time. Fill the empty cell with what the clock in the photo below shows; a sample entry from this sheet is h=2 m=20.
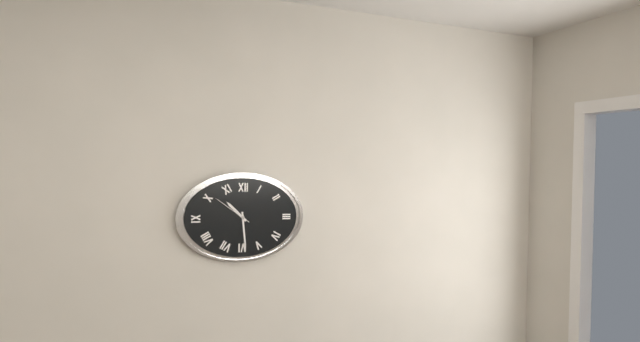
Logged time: h=10 m=29
